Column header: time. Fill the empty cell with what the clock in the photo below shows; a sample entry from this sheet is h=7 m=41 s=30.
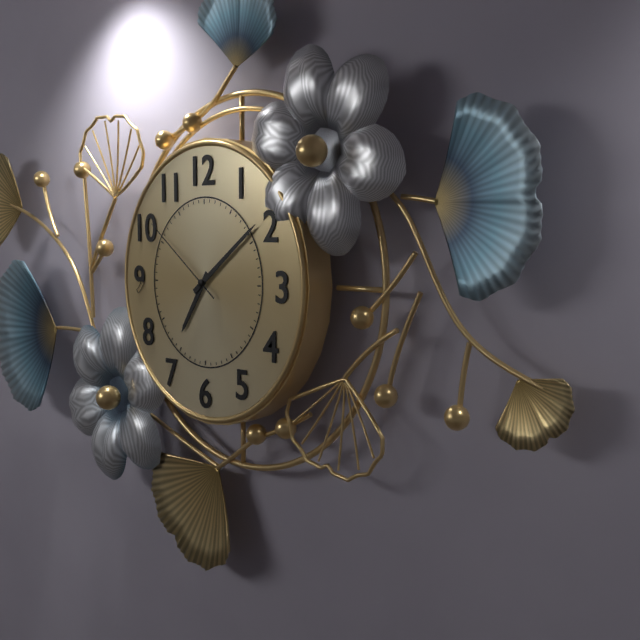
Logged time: h=7 m=9 s=51
